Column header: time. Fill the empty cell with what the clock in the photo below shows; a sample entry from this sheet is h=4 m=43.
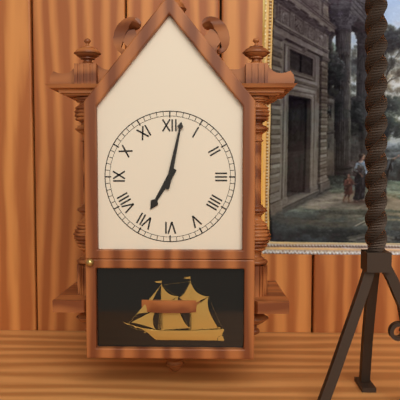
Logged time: h=7 m=2
